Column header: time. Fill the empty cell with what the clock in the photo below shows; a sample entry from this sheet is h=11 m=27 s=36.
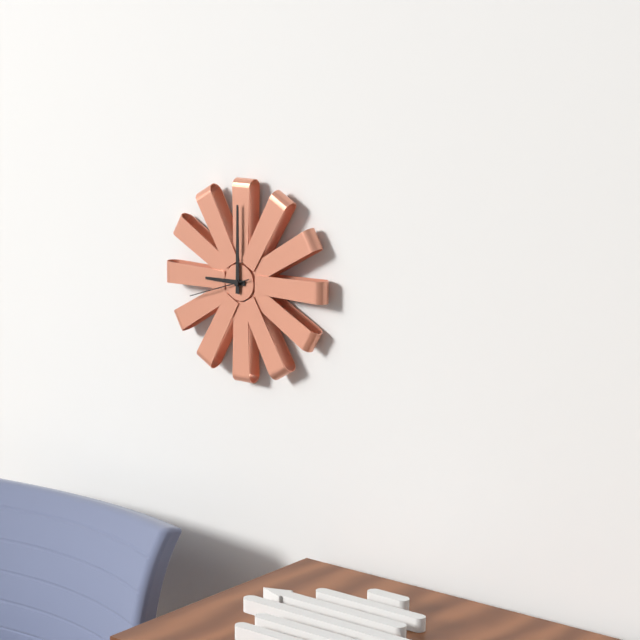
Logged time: h=9 m=0 s=42
